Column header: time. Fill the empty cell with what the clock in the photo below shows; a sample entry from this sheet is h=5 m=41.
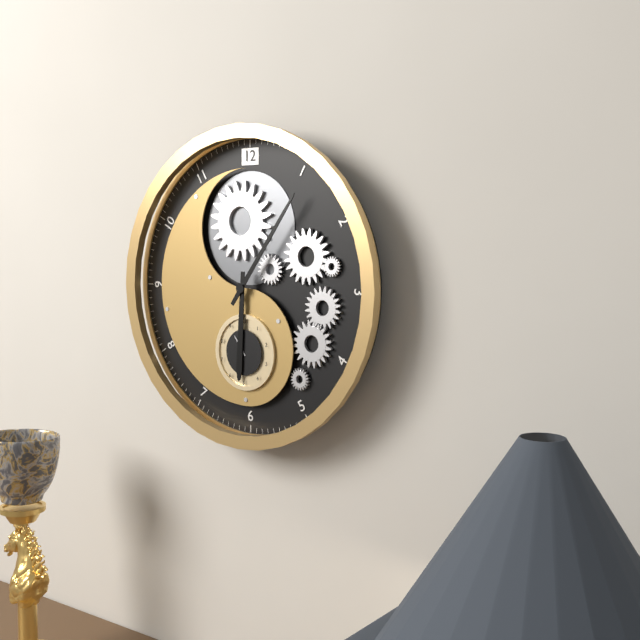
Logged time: h=6 m=6
